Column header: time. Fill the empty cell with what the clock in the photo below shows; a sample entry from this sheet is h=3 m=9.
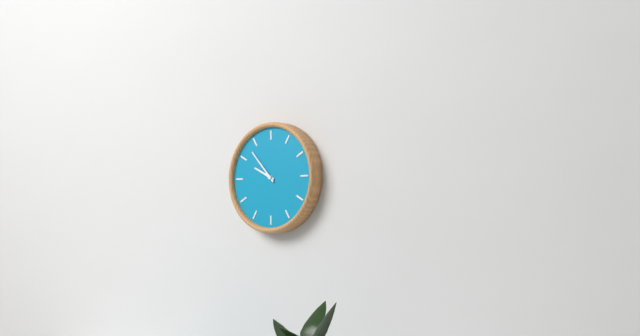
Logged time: h=9 m=53
